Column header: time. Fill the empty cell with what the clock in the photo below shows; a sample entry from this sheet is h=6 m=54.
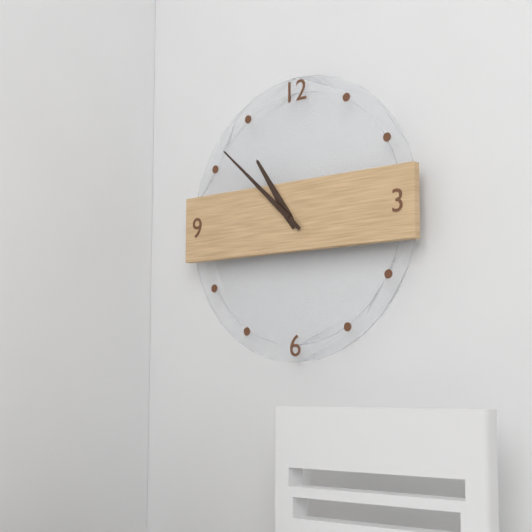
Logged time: h=10 m=52
